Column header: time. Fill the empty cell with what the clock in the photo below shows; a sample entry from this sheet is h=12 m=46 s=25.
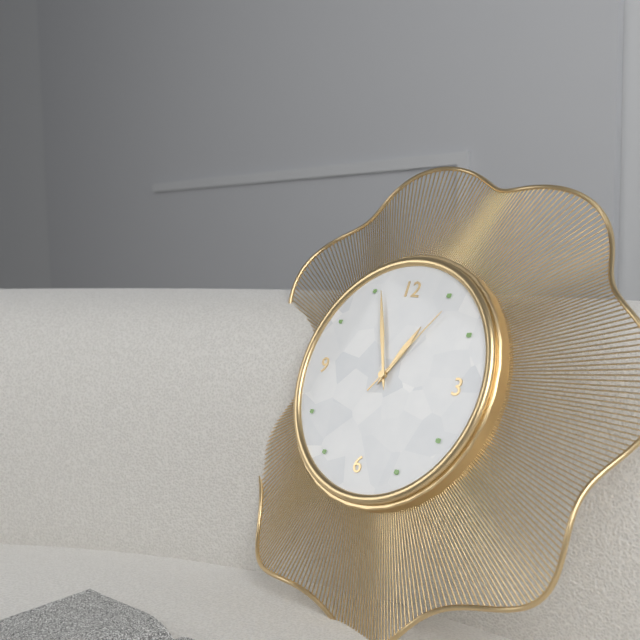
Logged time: h=12 m=56 s=6
